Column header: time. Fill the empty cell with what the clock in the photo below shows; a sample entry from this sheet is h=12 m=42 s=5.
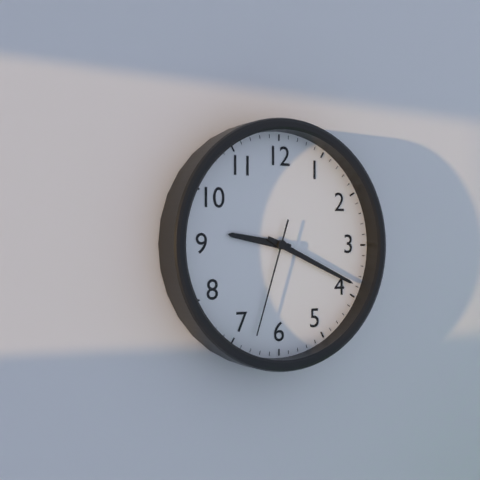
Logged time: h=9 m=19 s=33
